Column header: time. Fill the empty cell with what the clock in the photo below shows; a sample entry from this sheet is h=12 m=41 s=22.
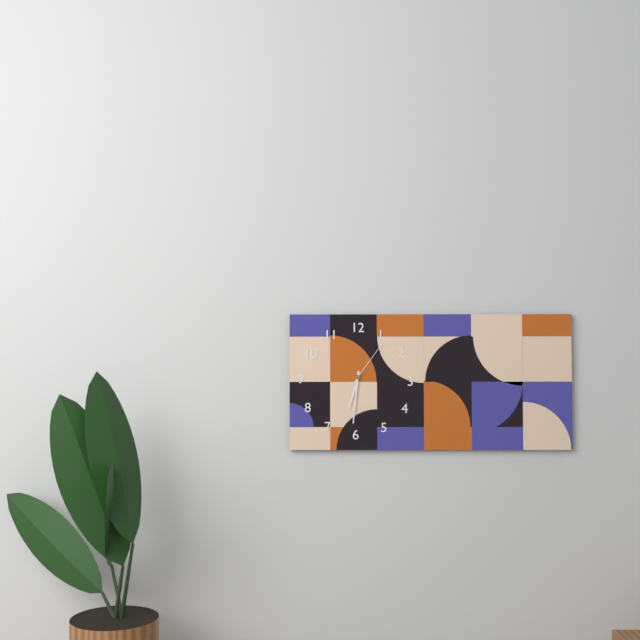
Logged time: h=6 m=31 s=6
